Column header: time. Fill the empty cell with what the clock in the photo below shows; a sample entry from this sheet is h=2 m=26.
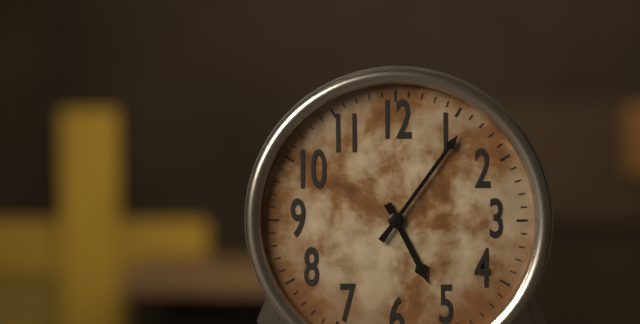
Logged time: h=5 m=6
